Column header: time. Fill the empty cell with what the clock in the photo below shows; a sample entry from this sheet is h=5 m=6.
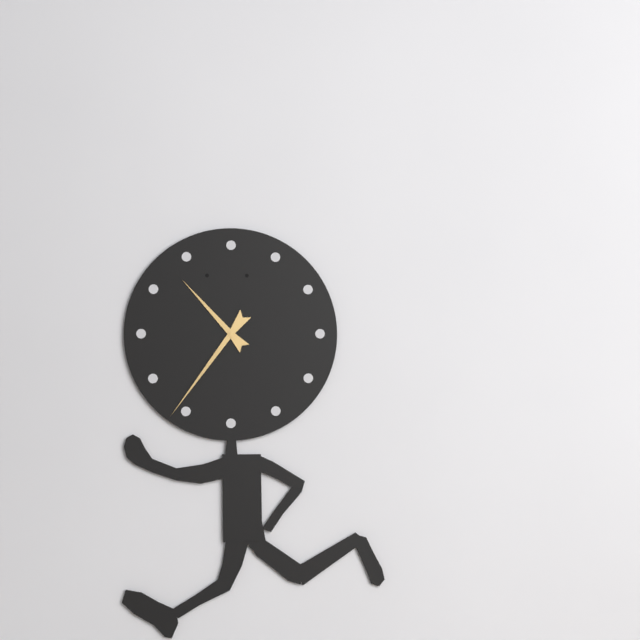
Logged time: h=10 m=36
